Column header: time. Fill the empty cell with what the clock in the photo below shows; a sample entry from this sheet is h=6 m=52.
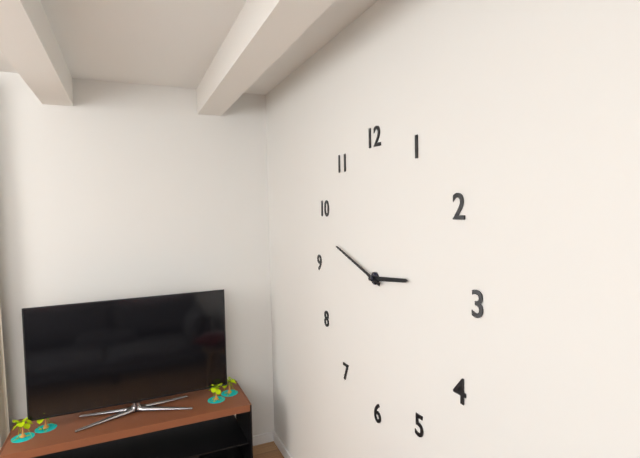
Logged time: h=2 m=48
